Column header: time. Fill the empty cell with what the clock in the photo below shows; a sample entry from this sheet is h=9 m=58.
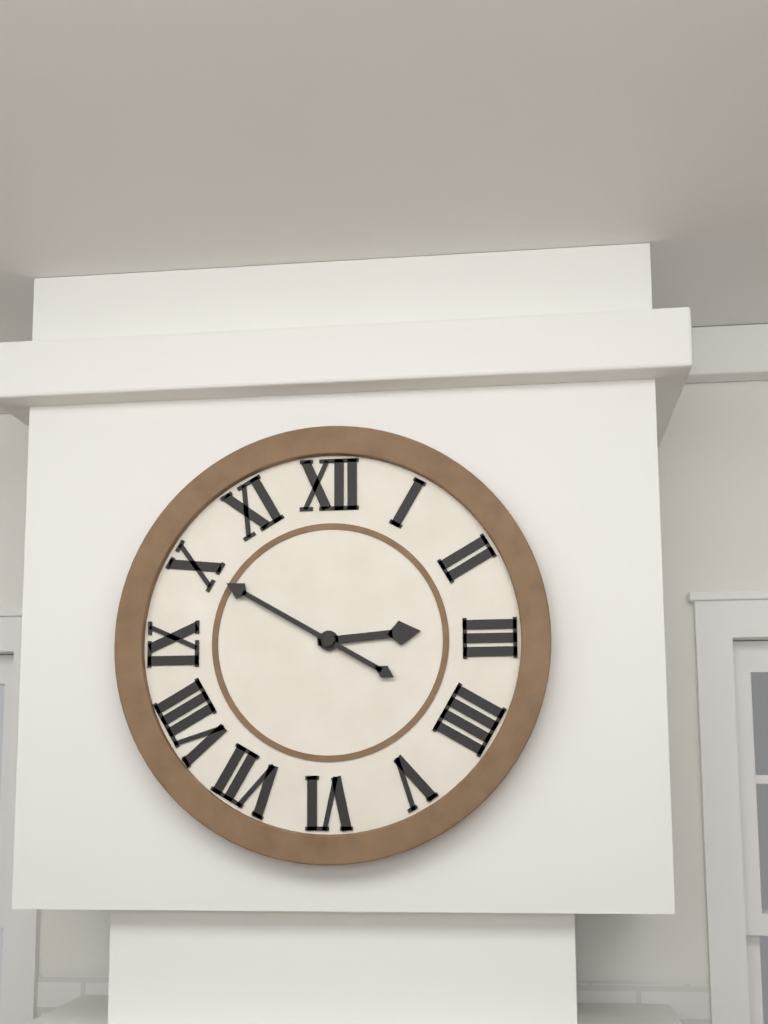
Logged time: h=2 m=50
